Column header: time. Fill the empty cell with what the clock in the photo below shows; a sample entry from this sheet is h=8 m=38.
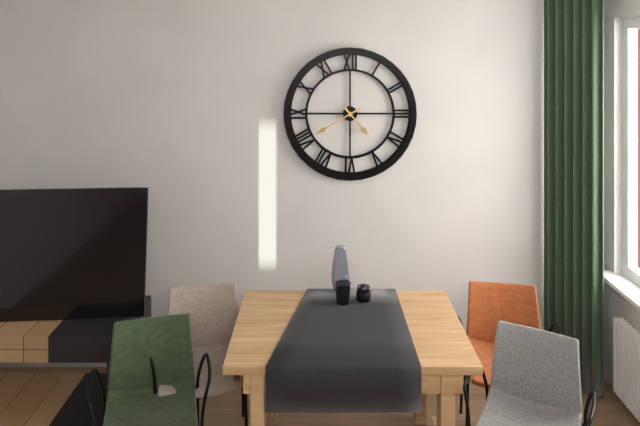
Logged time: h=4 m=40
